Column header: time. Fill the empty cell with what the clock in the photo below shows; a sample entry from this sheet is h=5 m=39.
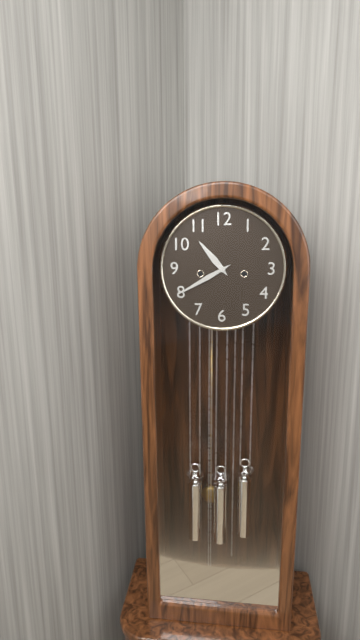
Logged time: h=10 m=40
